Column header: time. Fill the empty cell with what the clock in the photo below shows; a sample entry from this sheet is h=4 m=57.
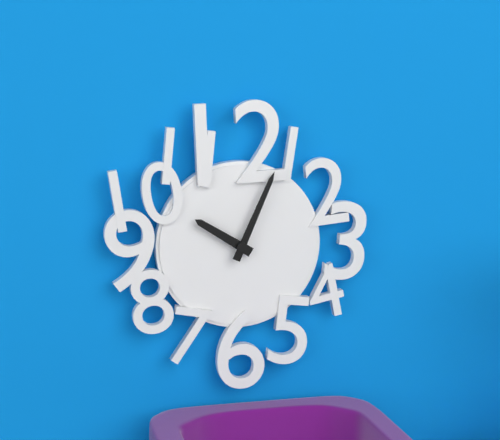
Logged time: h=10 m=4
